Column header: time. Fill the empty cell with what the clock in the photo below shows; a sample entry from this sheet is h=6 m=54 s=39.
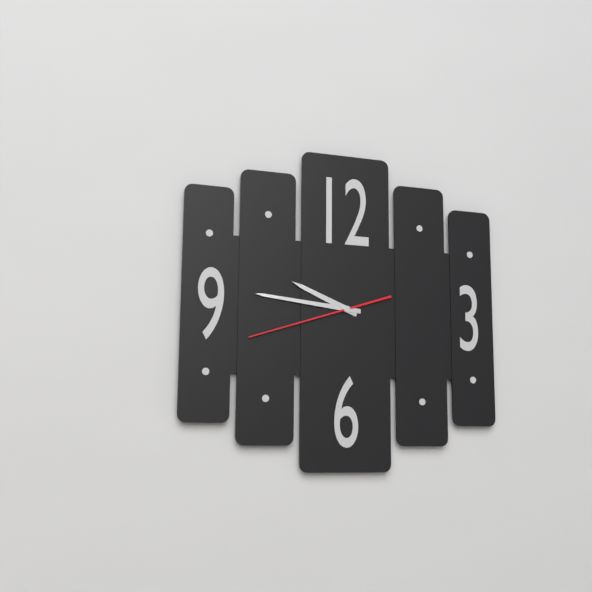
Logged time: h=9 m=46 s=42
